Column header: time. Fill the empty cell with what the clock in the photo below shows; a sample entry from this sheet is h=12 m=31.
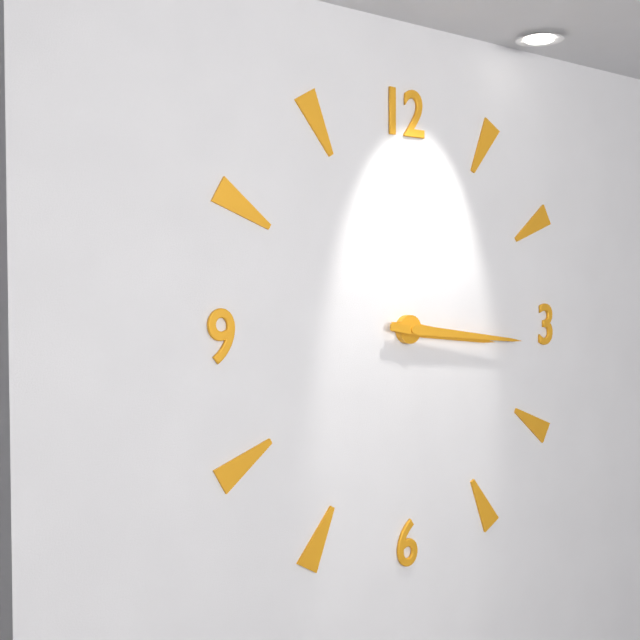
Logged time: h=3 m=16
